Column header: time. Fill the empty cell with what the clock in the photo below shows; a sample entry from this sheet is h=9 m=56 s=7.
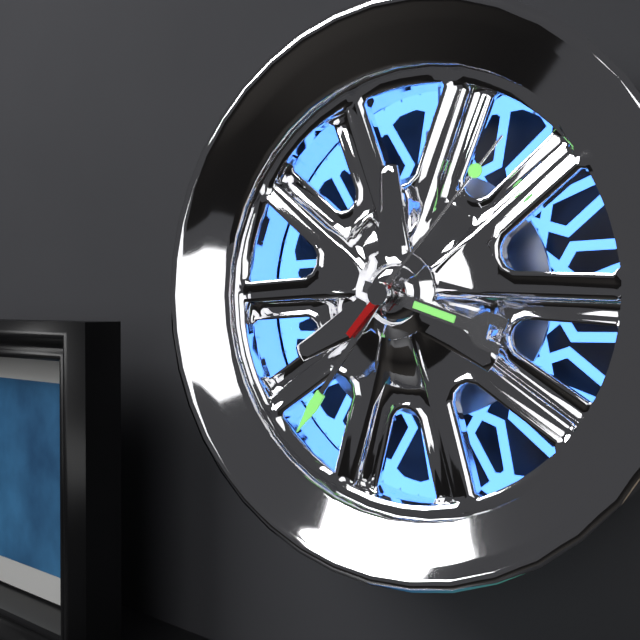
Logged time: h=3 m=36 s=7
